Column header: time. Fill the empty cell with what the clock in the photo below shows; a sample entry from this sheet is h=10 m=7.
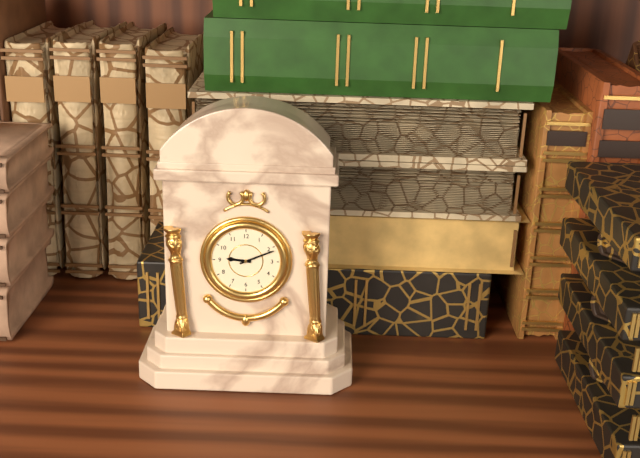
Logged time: h=9 m=11
